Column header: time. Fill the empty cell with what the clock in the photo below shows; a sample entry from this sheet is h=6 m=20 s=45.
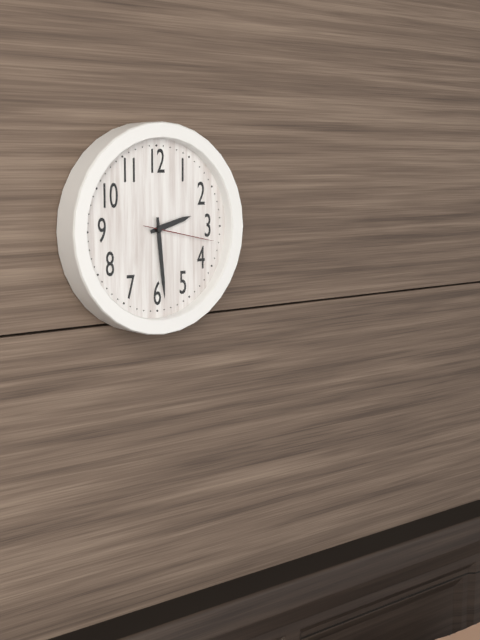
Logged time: h=2 m=29 s=17
